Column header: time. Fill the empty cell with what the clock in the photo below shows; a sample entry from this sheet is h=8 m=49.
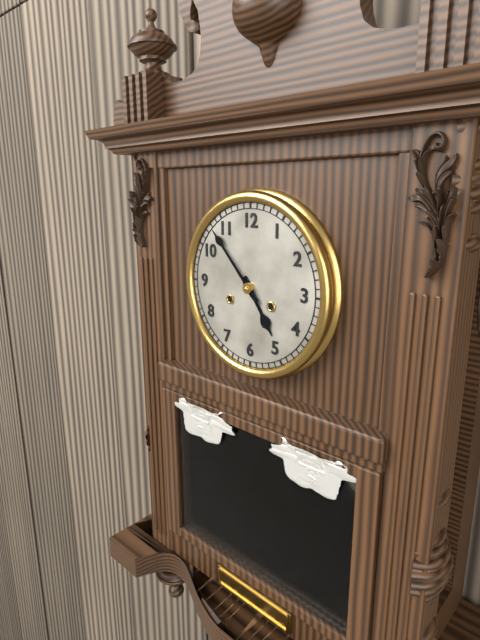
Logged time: h=4 m=53
